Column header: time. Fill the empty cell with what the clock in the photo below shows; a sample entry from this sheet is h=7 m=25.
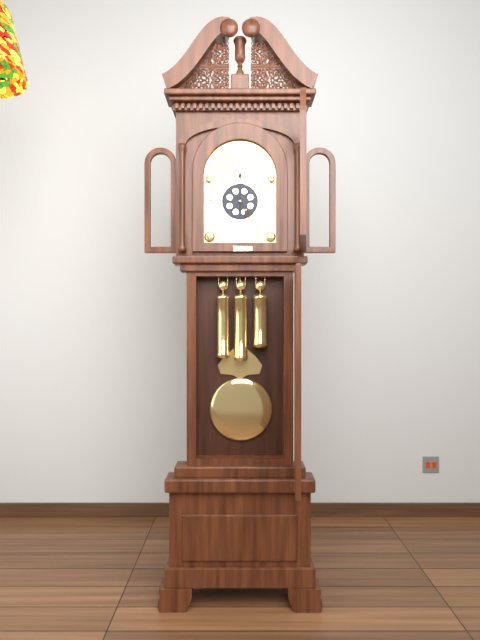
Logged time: h=5 m=0
